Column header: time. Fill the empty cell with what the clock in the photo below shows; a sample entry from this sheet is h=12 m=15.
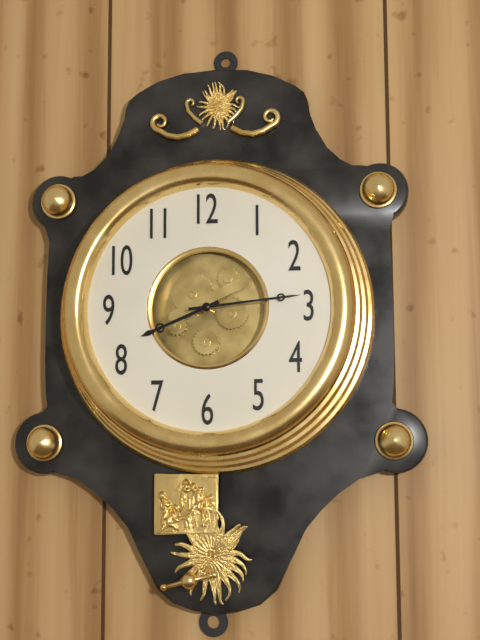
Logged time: h=8 m=14
